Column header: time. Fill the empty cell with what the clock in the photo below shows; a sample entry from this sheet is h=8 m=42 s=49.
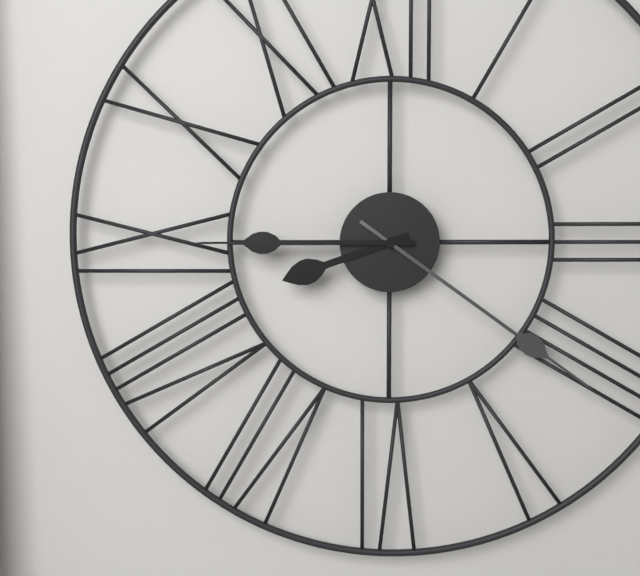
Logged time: h=8 m=21 s=45
